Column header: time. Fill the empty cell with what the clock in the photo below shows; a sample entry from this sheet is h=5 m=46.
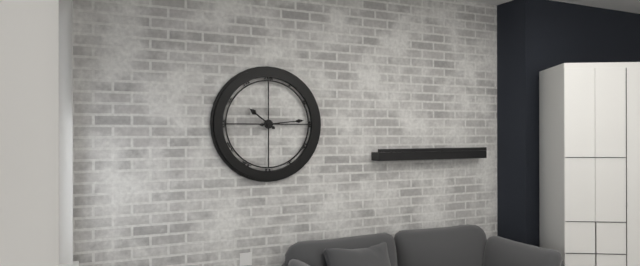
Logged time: h=10 m=14
